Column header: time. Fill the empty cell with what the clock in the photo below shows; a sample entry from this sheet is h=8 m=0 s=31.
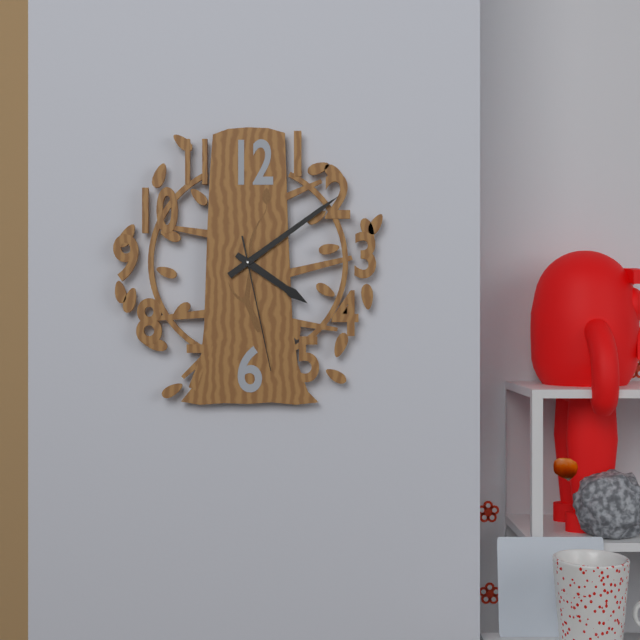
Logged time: h=4 m=9 s=28
